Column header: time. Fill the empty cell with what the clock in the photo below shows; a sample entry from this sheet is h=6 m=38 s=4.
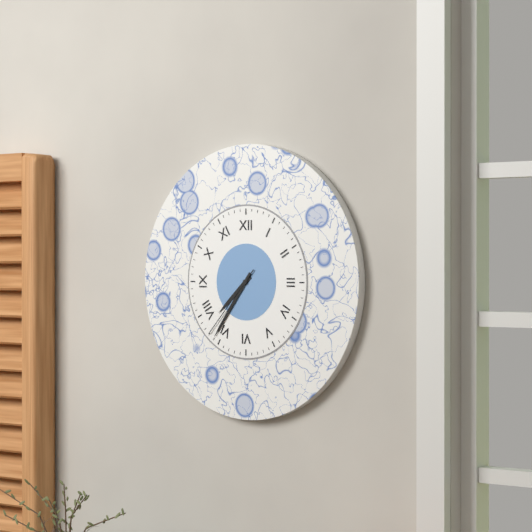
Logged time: h=7 m=36 s=37
